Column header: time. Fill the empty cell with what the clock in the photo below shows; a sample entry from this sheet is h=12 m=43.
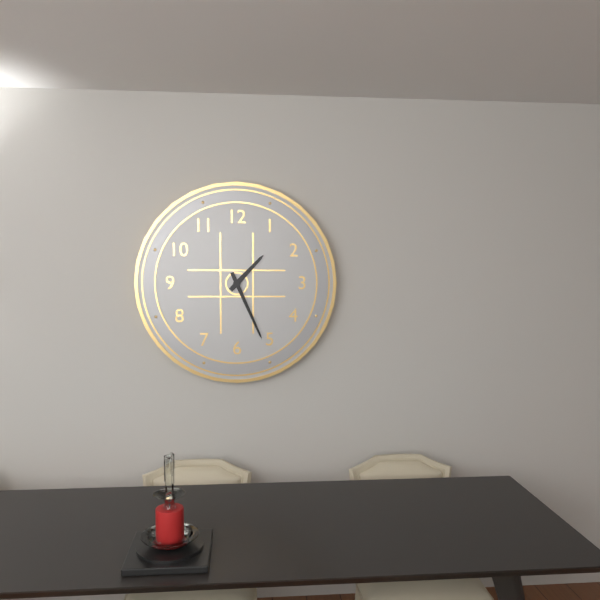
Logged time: h=1 m=26
